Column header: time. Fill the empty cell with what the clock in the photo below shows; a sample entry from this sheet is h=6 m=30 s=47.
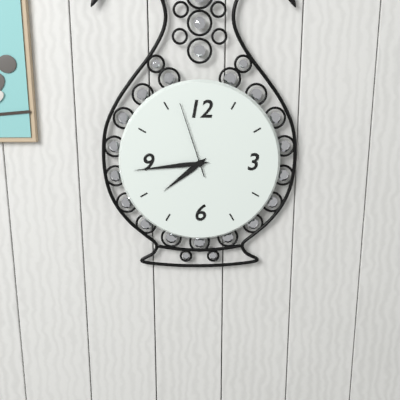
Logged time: h=7 m=44 s=57
